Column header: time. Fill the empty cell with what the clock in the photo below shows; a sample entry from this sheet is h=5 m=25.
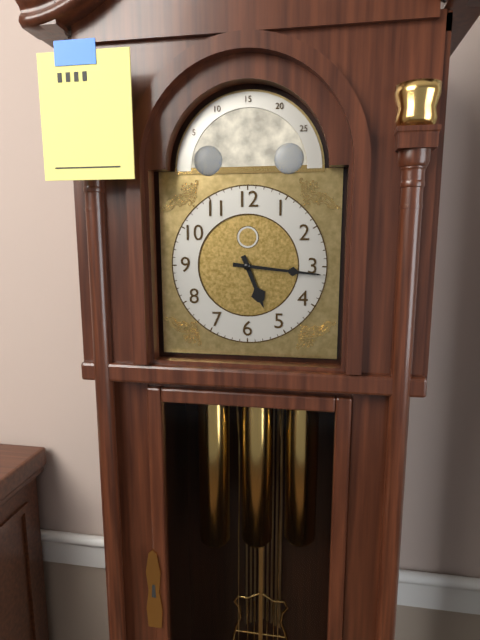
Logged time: h=5 m=16
